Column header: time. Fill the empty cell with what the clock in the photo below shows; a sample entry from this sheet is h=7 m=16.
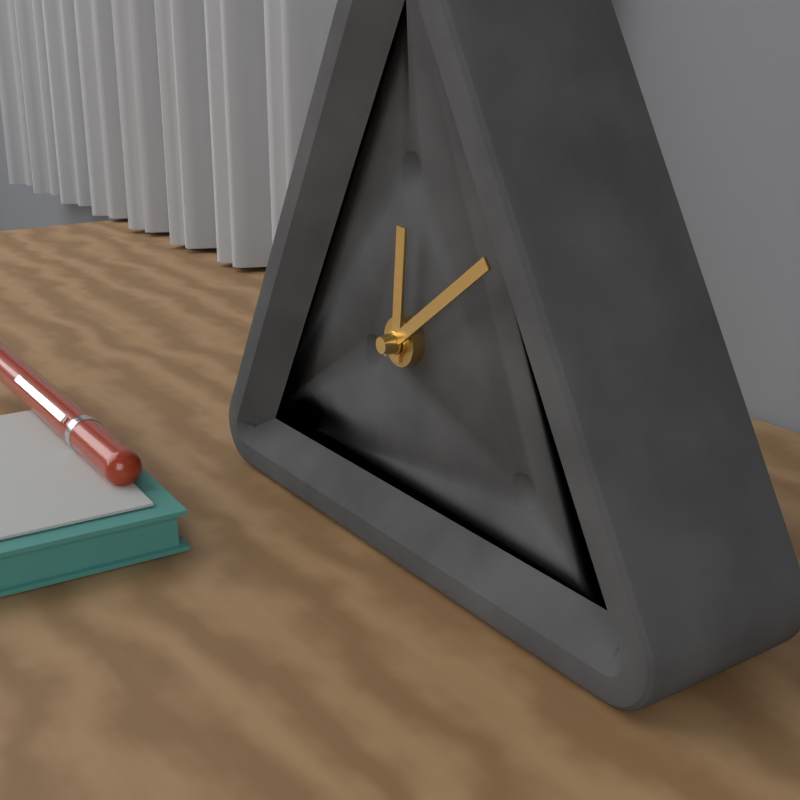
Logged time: h=12 m=9
